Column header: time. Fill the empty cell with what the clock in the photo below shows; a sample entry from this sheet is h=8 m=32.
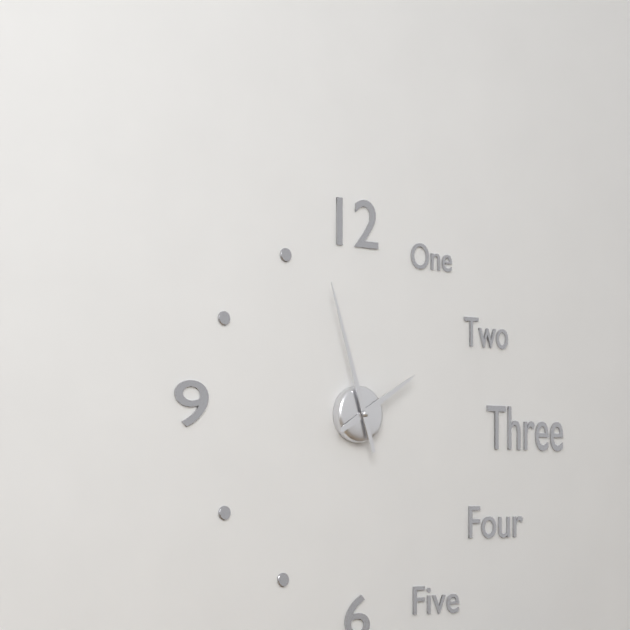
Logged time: h=1 m=57
